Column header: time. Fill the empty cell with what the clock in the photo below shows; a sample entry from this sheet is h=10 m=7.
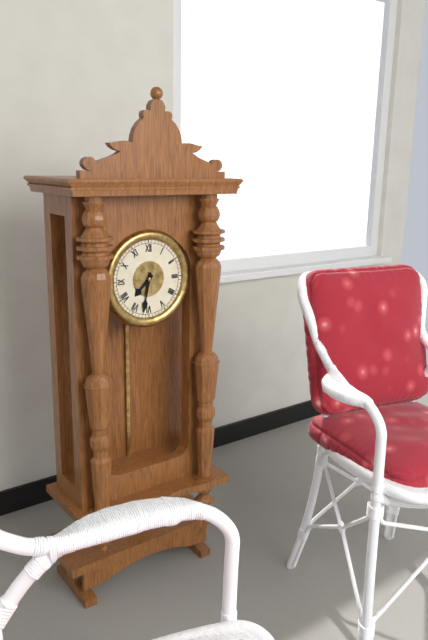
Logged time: h=7 m=32
